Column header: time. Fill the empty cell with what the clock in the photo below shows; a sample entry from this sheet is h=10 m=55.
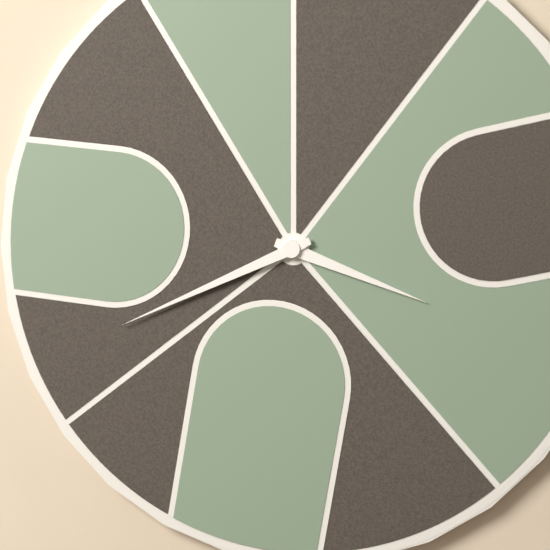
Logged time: h=3 m=41
